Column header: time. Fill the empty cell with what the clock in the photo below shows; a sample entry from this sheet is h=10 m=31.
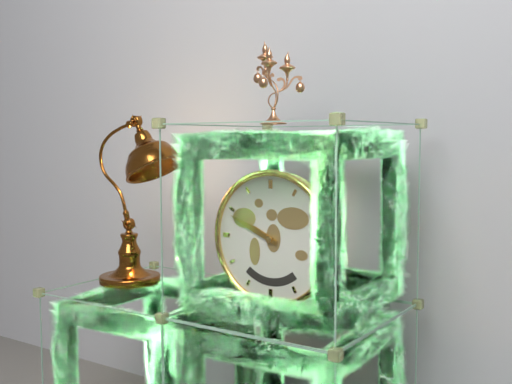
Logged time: h=9 m=49
